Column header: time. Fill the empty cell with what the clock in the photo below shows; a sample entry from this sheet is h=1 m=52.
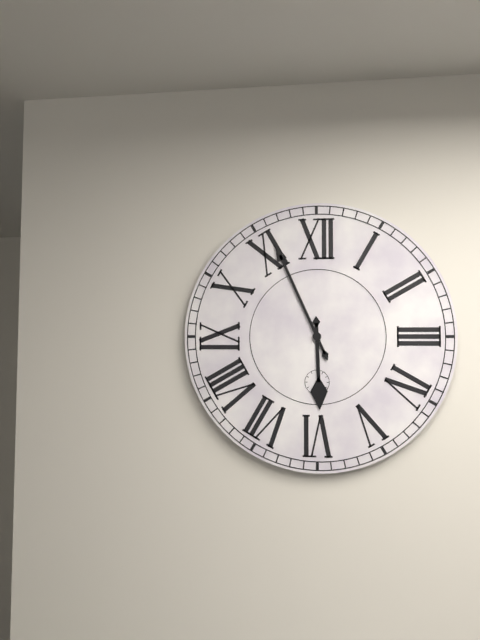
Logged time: h=5 m=56
